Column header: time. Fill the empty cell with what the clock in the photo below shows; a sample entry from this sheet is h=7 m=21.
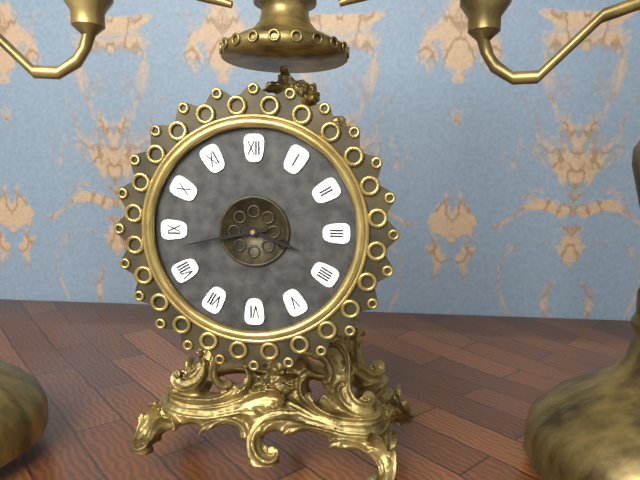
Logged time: h=3 m=43
